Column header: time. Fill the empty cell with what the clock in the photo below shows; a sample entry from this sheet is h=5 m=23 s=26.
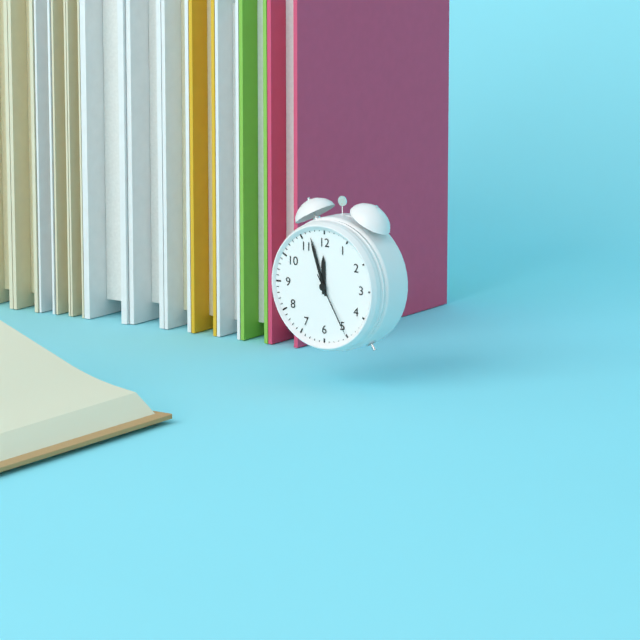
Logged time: h=11 m=57 s=25
